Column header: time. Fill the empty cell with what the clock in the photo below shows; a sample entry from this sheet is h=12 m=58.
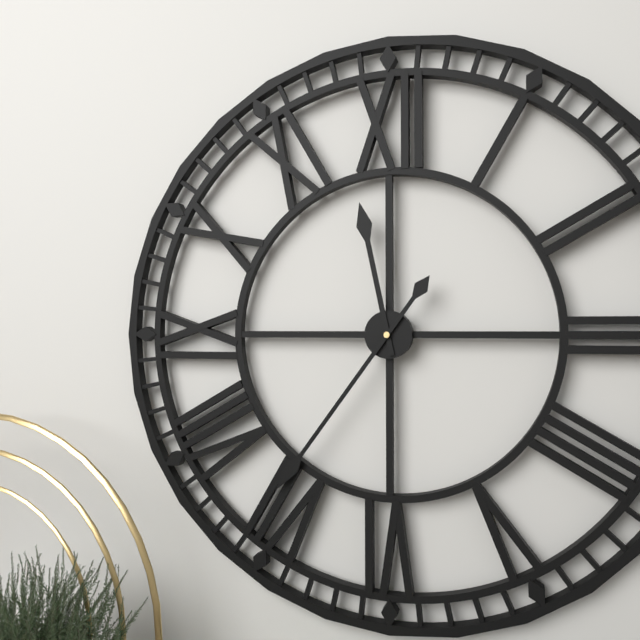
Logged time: h=11 m=36
